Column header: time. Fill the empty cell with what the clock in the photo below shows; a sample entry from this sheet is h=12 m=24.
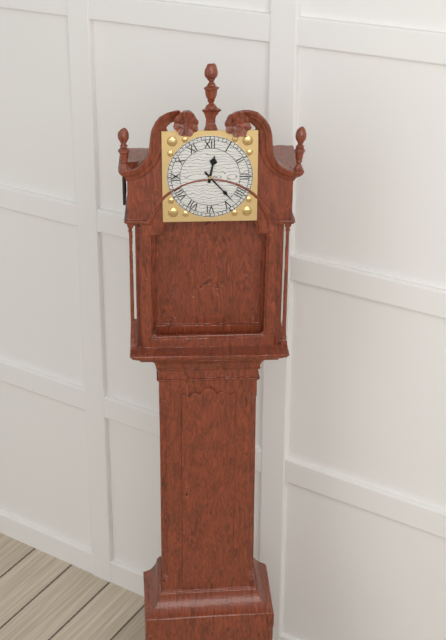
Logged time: h=12 m=23
